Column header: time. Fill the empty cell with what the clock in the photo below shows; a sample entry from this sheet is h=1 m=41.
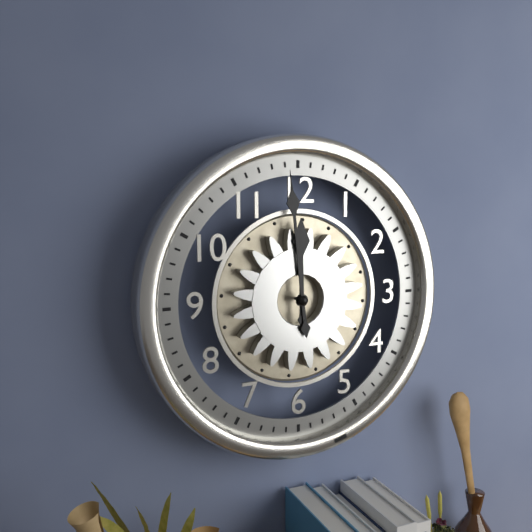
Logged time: h=11 m=59
